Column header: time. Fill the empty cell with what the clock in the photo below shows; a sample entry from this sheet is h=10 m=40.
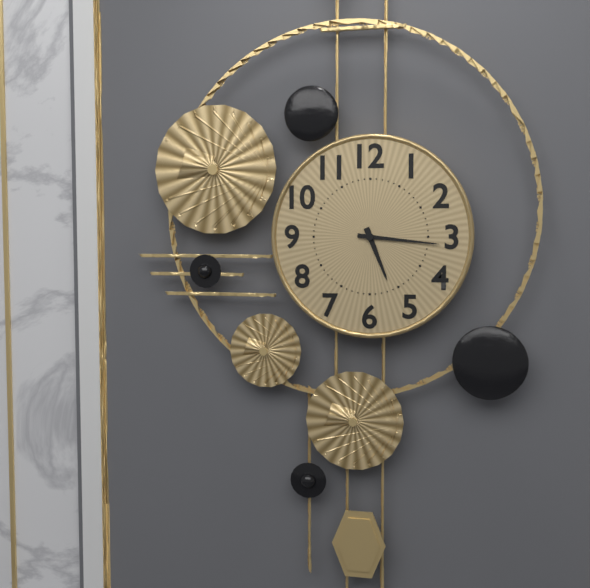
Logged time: h=5 m=16
